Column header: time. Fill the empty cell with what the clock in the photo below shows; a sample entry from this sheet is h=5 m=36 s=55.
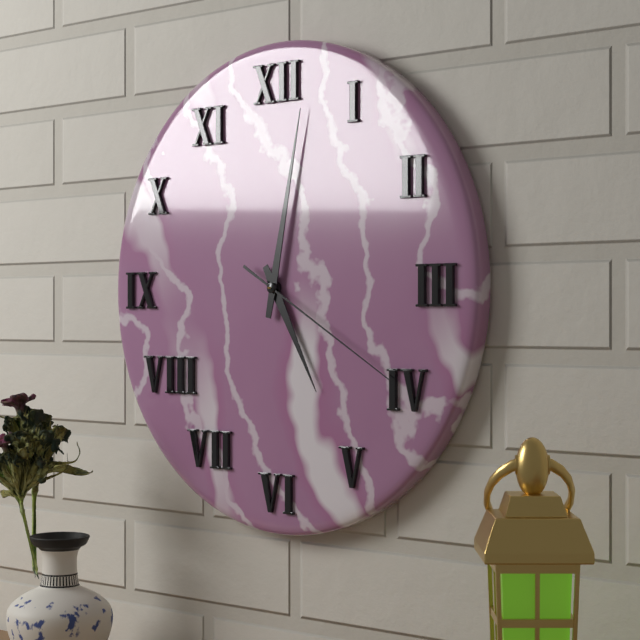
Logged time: h=5 m=2 s=20
